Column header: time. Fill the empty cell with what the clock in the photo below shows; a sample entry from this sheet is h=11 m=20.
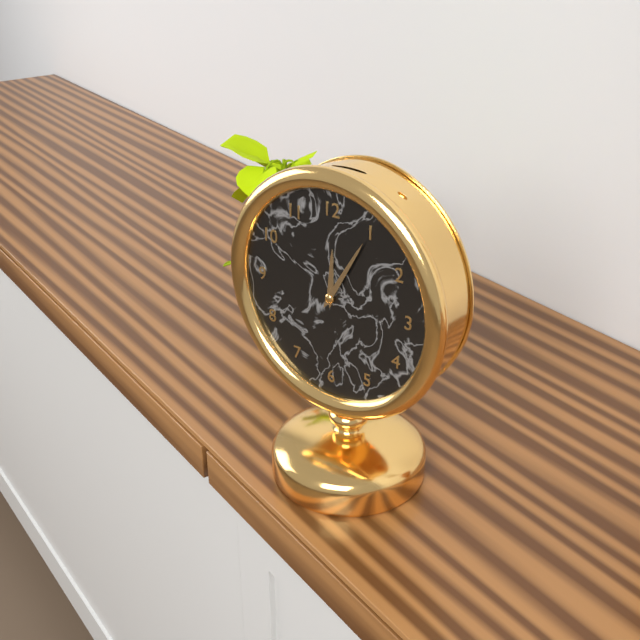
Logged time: h=12 m=5
